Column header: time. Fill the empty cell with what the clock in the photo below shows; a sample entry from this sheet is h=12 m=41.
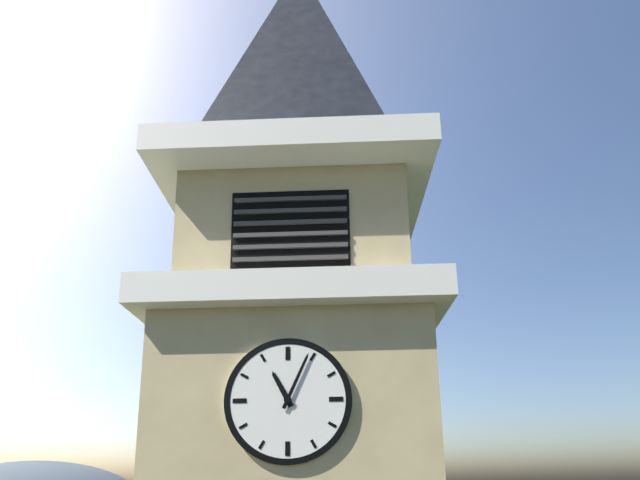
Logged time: h=11 m=4
